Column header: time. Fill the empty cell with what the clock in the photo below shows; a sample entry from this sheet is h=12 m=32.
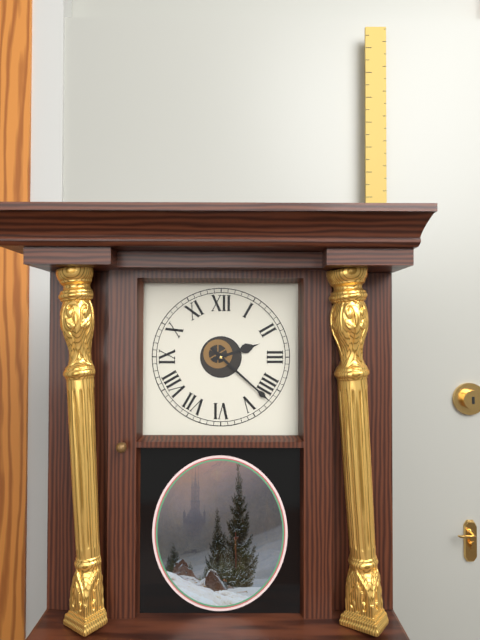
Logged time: h=2 m=22
